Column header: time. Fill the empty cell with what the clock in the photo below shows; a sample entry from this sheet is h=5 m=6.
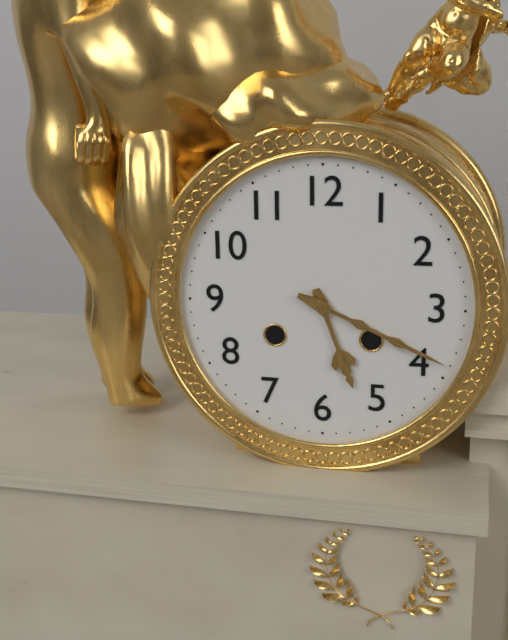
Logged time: h=5 m=19
